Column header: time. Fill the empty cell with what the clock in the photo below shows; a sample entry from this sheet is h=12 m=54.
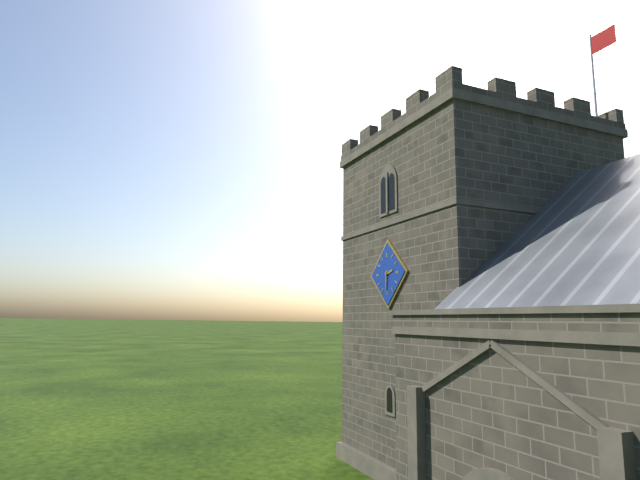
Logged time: h=2 m=31
